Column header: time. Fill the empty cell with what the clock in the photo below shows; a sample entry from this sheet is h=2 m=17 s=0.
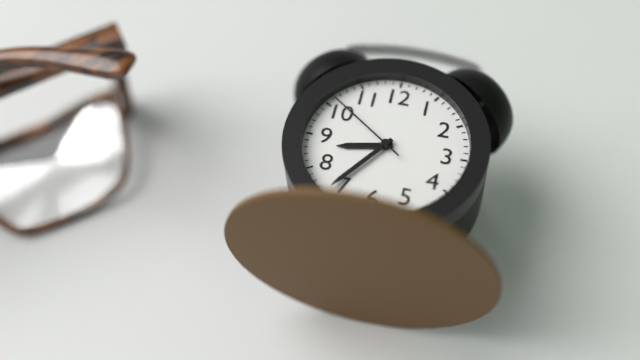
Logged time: h=8 m=36 s=51
